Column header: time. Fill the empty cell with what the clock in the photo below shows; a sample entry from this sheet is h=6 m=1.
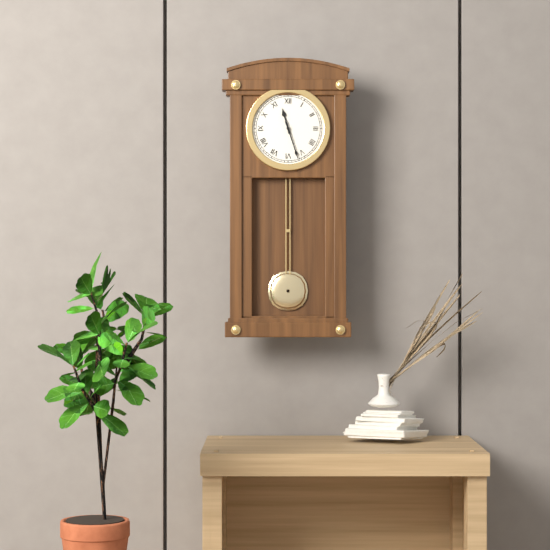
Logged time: h=11 m=27
